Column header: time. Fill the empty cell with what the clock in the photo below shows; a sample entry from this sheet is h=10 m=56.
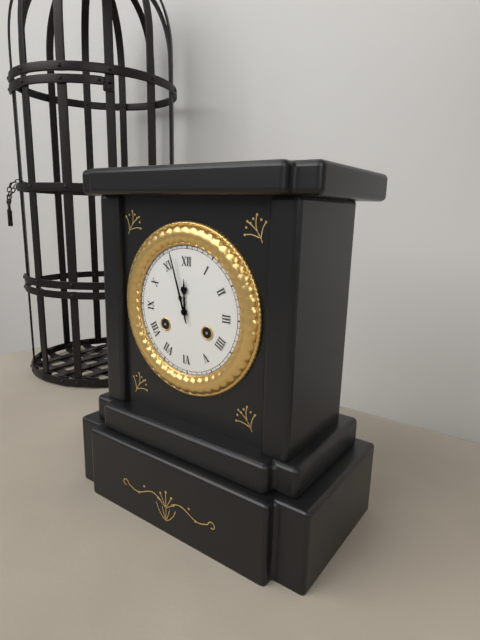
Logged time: h=11 m=57
